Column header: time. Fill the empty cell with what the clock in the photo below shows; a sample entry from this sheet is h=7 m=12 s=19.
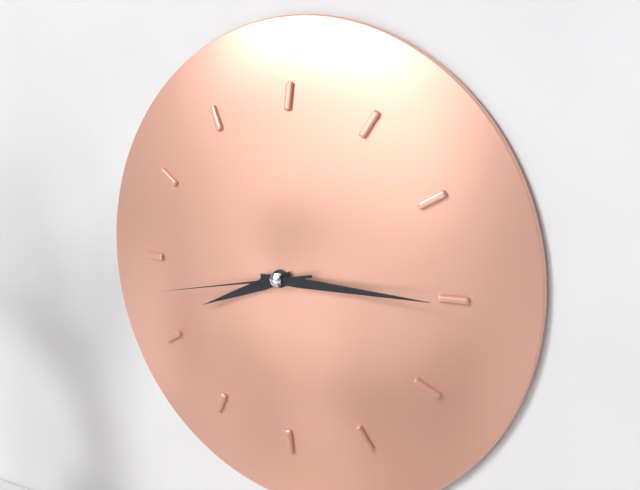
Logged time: h=8 m=15 s=43
